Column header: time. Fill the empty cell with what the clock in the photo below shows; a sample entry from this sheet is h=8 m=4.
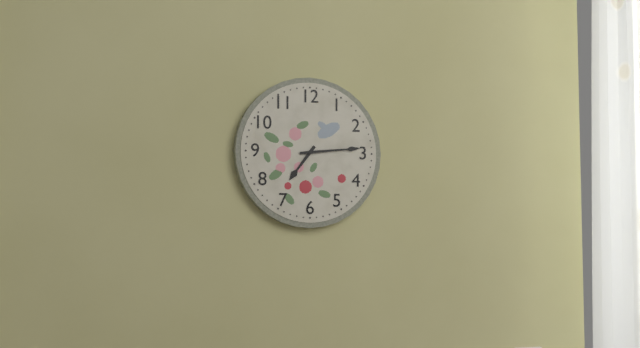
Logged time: h=7 m=14
